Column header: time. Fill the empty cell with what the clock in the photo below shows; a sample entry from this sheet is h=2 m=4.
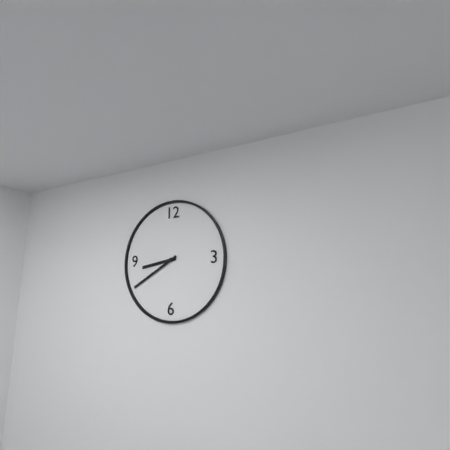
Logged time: h=8 m=40
